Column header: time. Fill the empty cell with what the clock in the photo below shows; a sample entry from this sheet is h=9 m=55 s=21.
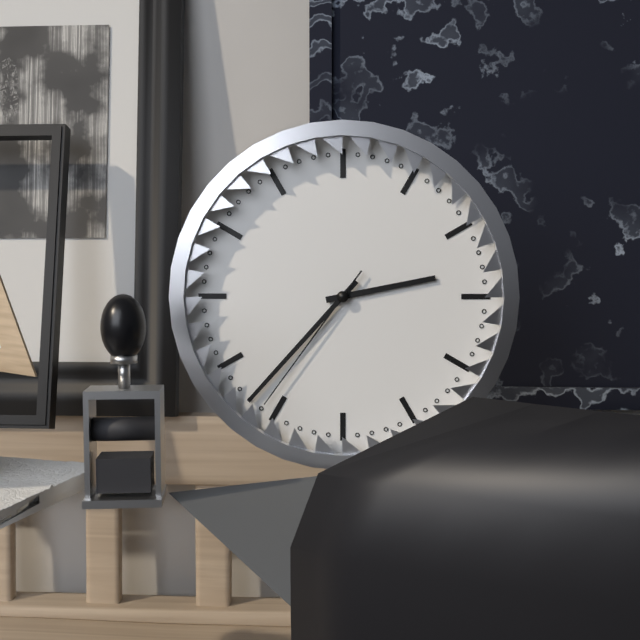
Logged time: h=2 m=37 s=36
